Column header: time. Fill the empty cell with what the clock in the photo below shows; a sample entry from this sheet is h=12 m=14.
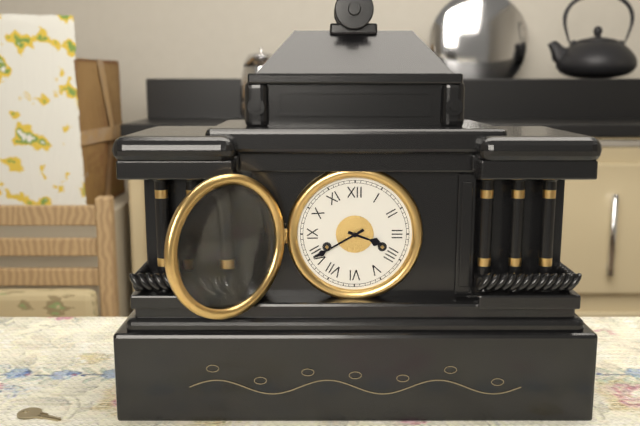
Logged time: h=3 m=40
